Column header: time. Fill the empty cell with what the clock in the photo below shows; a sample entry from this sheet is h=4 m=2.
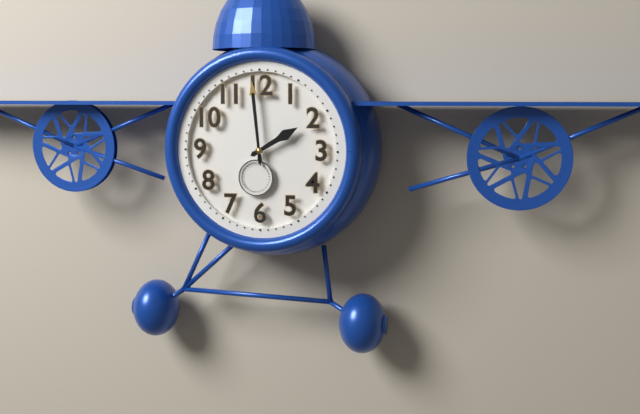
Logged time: h=1 m=59
